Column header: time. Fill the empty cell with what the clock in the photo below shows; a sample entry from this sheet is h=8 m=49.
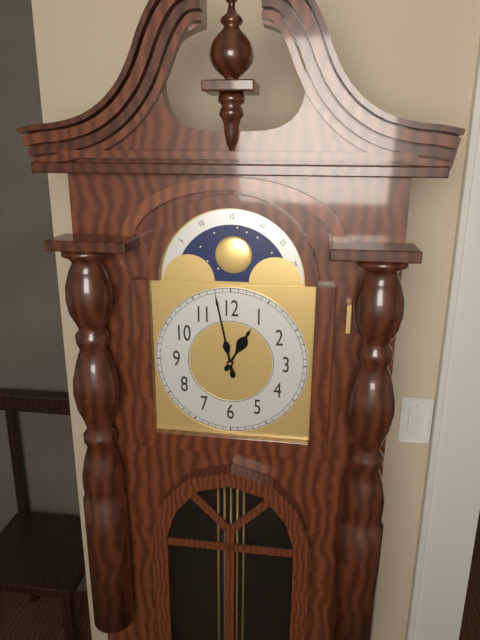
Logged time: h=12 m=58
